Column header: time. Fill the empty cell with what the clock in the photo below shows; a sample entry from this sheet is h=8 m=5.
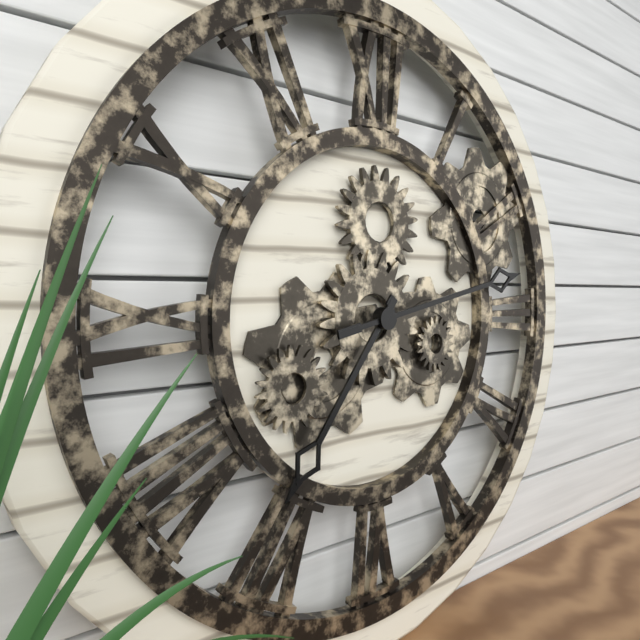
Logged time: h=7 m=13
